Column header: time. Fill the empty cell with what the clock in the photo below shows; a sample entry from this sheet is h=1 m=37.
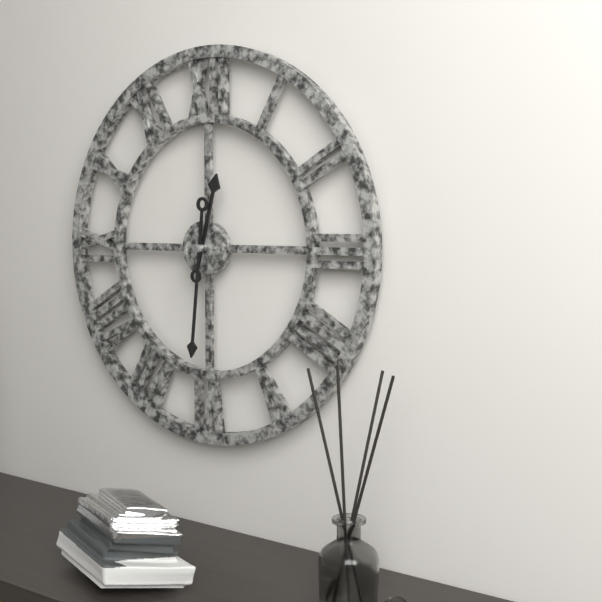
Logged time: h=12 m=31
